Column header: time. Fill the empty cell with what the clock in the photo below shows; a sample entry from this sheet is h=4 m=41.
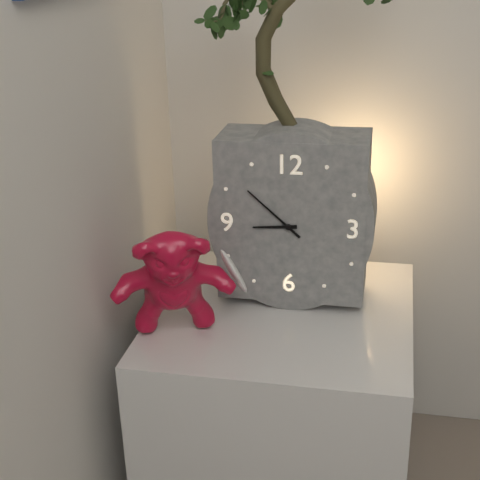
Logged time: h=8 m=52
